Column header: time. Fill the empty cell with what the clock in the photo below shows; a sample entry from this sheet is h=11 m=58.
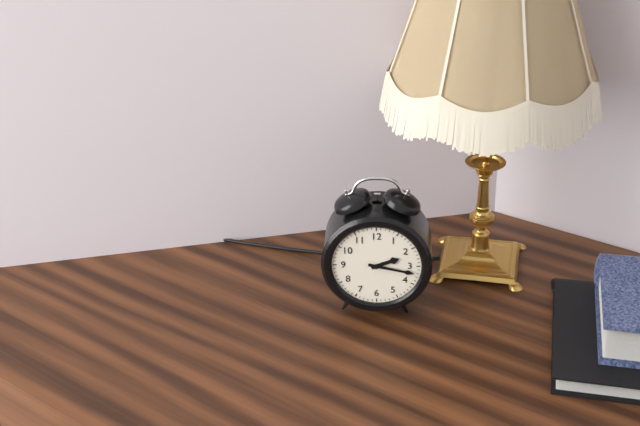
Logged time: h=2 m=17
